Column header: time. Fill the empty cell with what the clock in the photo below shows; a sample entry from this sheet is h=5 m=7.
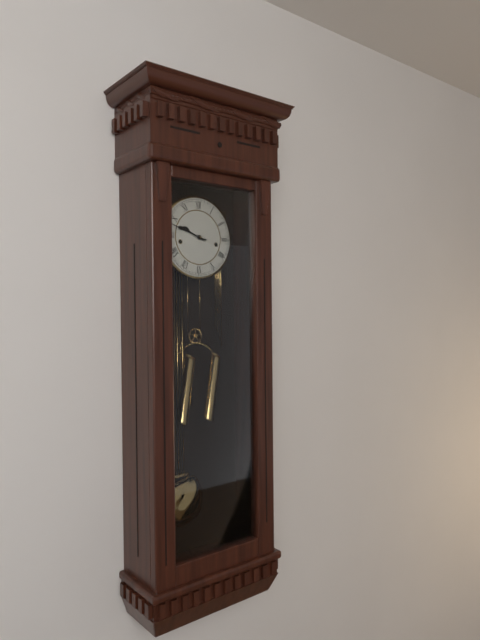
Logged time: h=9 m=48
